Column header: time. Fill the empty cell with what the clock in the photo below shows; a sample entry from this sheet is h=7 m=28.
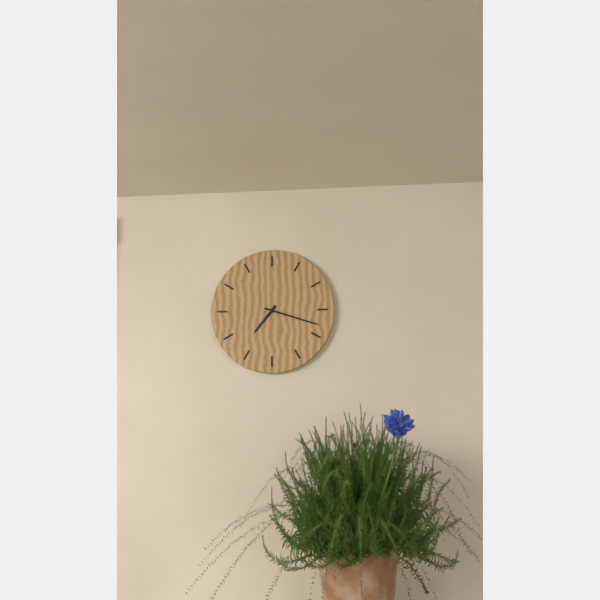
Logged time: h=7 m=18
